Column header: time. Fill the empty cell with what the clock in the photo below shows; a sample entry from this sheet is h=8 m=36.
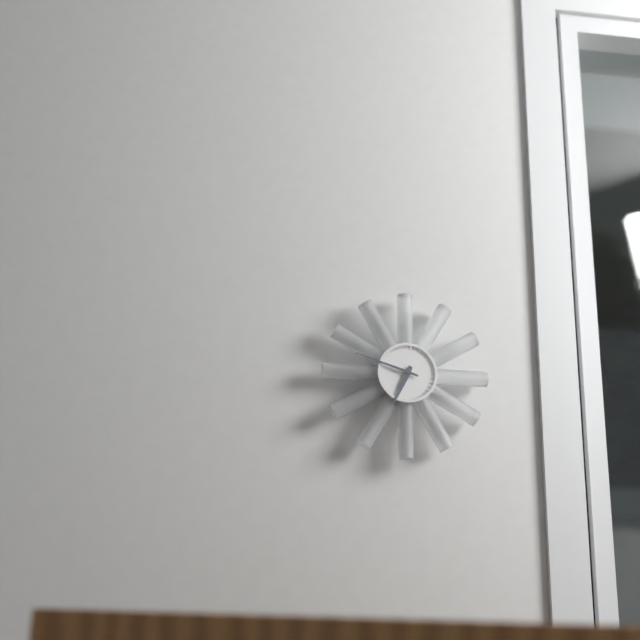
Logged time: h=6 m=48
